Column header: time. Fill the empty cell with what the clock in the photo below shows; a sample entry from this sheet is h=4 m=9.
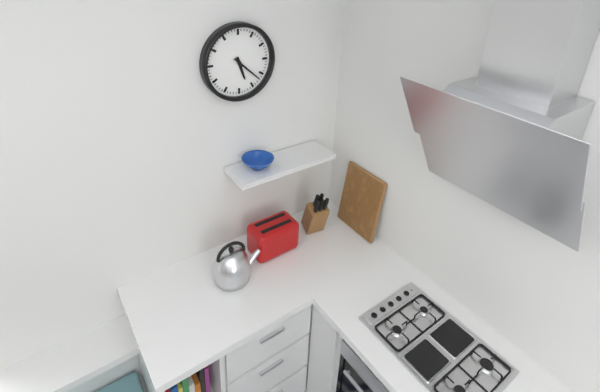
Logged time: h=5 m=22
